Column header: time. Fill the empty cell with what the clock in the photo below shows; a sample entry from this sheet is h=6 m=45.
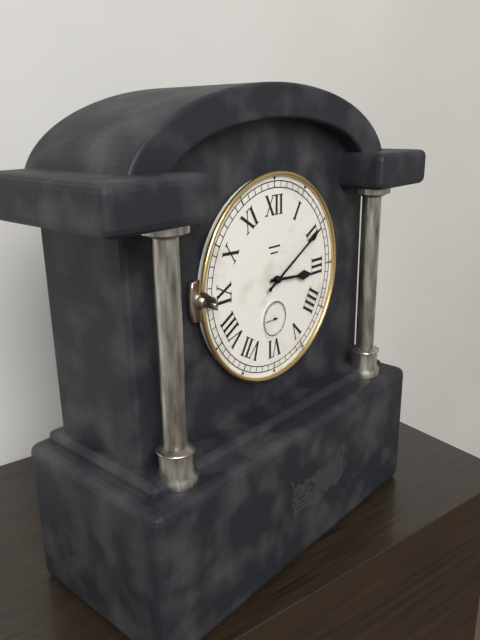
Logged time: h=3 m=10
